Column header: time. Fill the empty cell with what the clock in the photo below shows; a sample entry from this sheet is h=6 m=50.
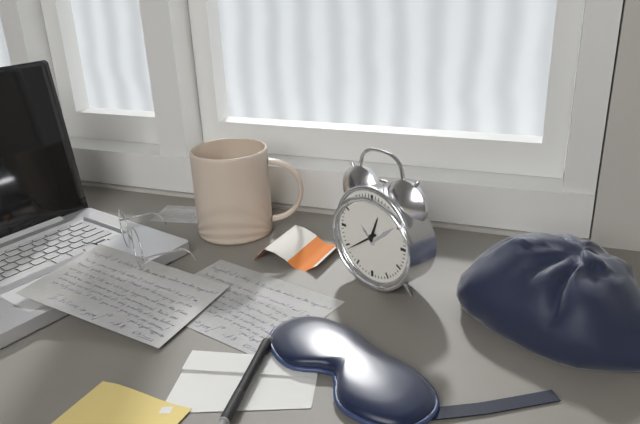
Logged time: h=12 m=39
